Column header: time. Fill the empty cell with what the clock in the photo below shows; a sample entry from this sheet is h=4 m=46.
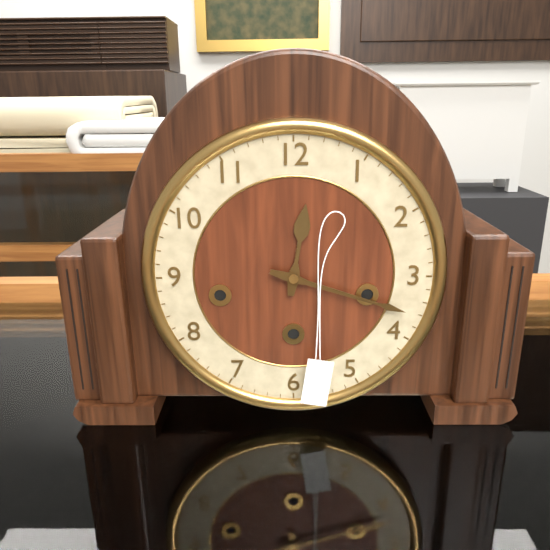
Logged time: h=12 m=18
